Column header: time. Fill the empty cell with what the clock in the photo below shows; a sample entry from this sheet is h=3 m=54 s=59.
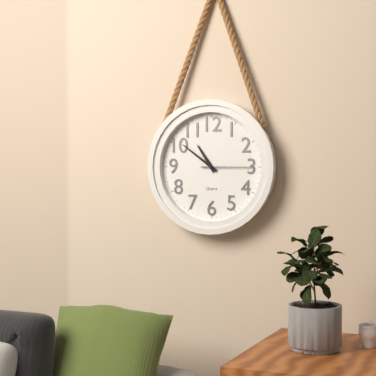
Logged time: h=10 m=51 s=15
